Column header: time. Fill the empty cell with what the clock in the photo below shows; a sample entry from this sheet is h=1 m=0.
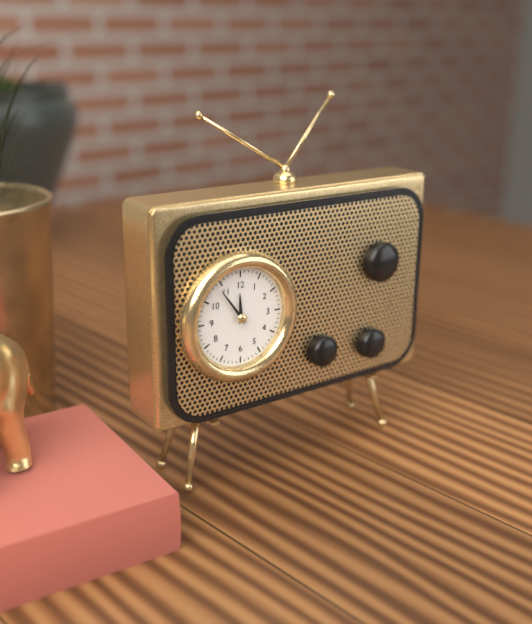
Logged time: h=11 m=54
